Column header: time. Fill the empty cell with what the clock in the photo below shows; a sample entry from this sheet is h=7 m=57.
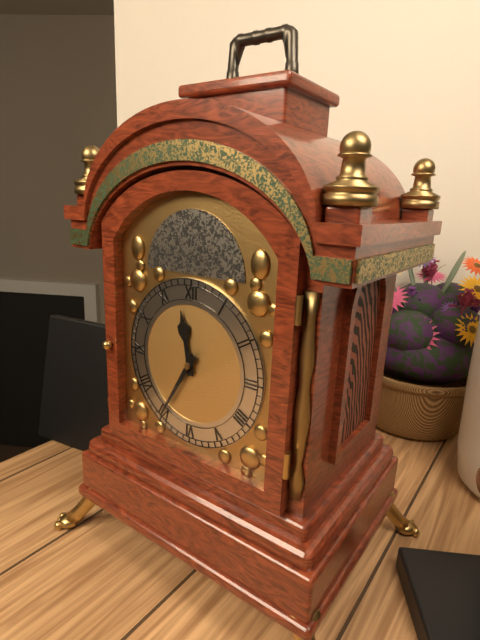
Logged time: h=11 m=35
